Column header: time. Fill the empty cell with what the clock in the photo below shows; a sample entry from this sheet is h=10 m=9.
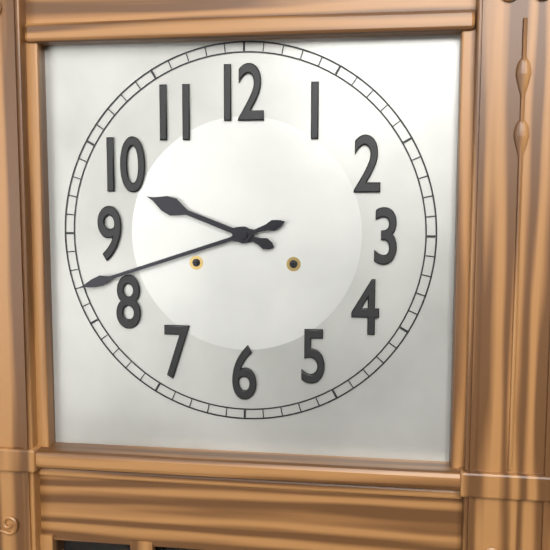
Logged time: h=9 m=42
